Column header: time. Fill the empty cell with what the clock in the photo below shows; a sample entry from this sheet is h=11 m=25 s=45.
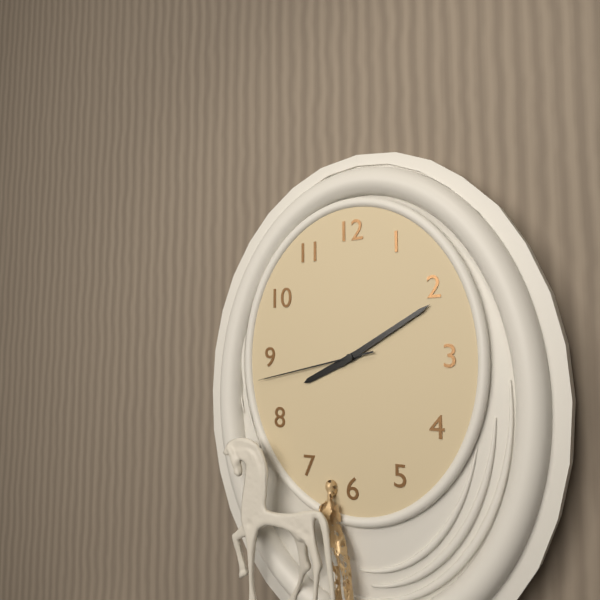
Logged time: h=8 m=10 s=43
